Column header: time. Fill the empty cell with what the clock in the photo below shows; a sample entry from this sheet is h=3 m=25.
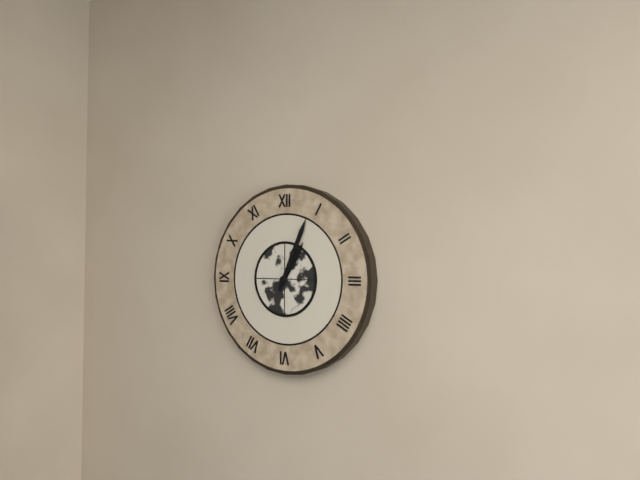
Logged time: h=1 m=4
